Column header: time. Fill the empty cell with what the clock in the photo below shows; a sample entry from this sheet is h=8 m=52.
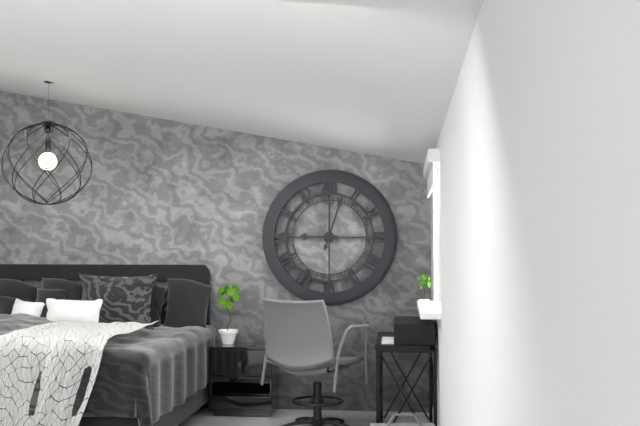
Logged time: h=9 m=3
